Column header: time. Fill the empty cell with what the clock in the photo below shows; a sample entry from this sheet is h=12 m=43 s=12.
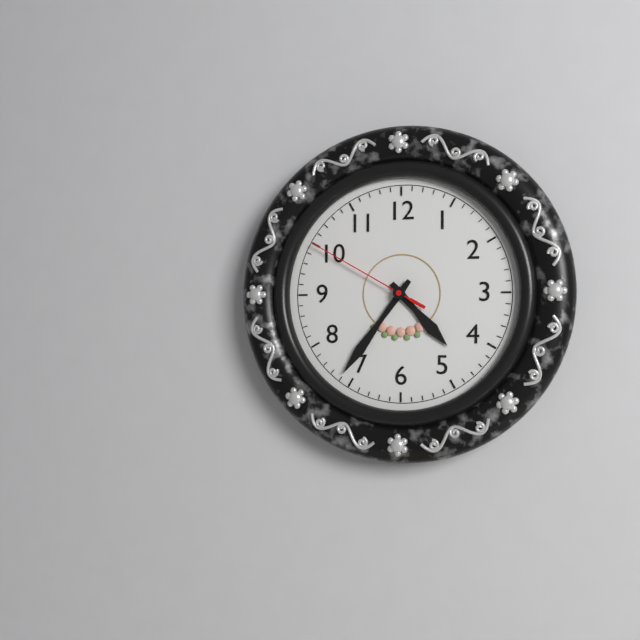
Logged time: h=4 m=36 s=50
